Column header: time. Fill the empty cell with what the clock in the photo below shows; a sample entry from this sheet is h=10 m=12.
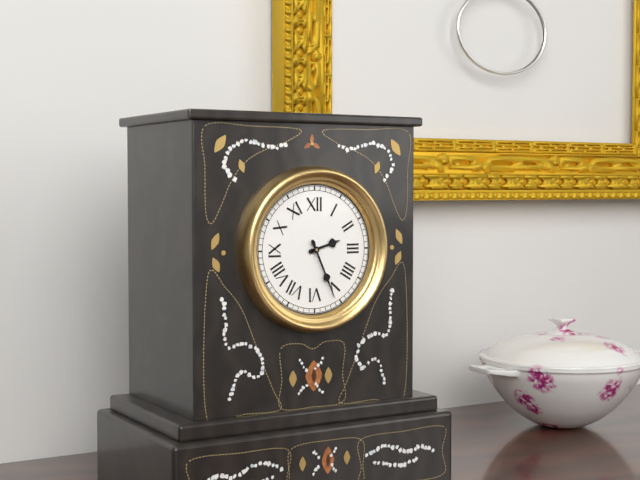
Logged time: h=2 m=26
